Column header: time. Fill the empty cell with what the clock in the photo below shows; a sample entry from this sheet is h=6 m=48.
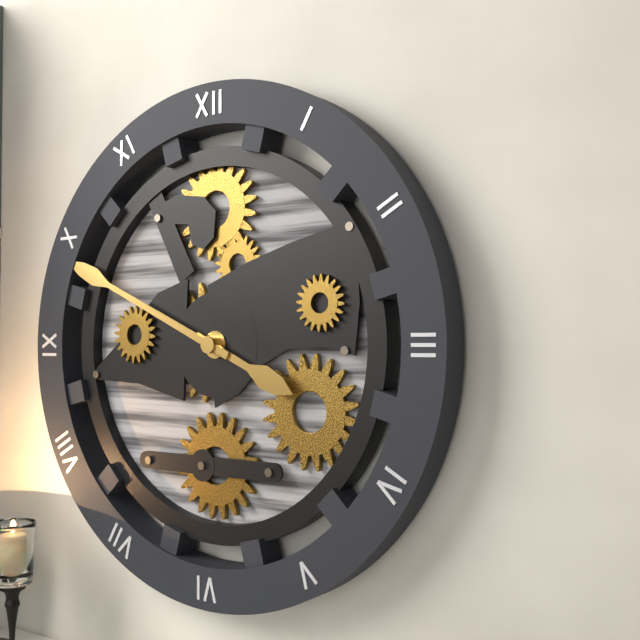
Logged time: h=3 m=49
